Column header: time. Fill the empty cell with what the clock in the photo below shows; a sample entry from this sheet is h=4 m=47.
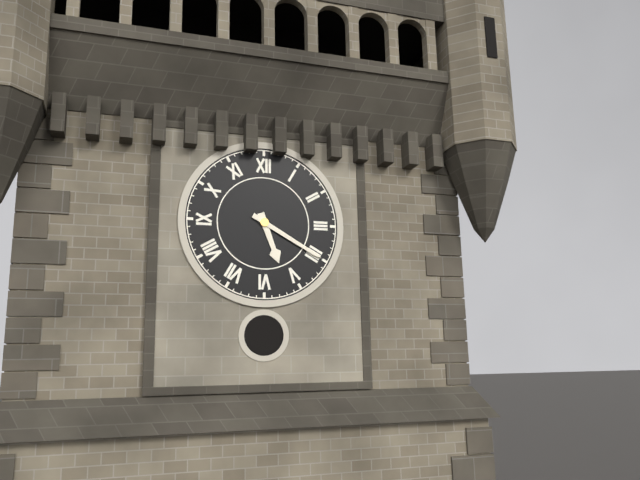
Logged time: h=5 m=20
